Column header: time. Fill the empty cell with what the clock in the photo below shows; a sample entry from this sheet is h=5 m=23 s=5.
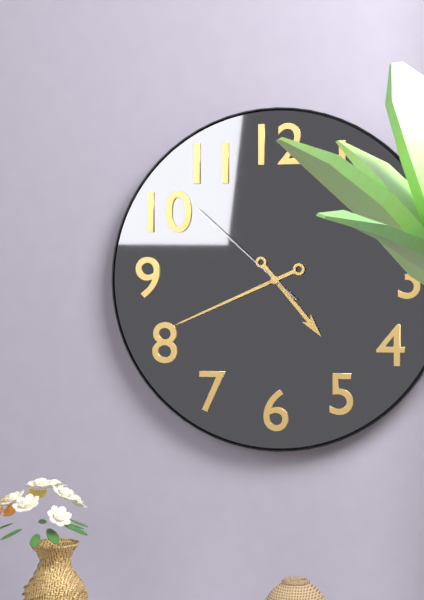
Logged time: h=4 m=41 s=52
